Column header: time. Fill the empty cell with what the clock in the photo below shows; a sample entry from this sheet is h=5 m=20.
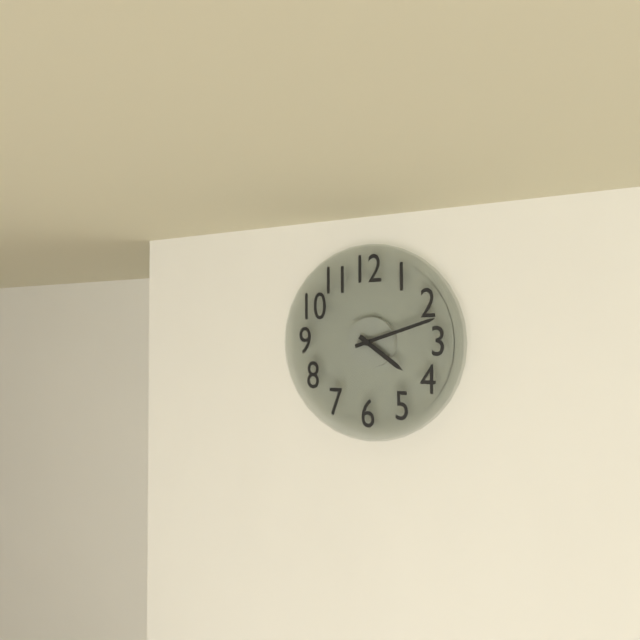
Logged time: h=4 m=12
